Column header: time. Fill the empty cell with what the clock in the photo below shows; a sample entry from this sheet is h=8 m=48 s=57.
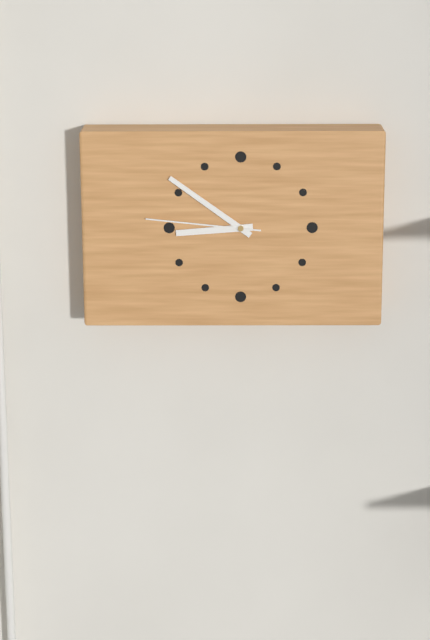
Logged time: h=8 m=51 s=46
